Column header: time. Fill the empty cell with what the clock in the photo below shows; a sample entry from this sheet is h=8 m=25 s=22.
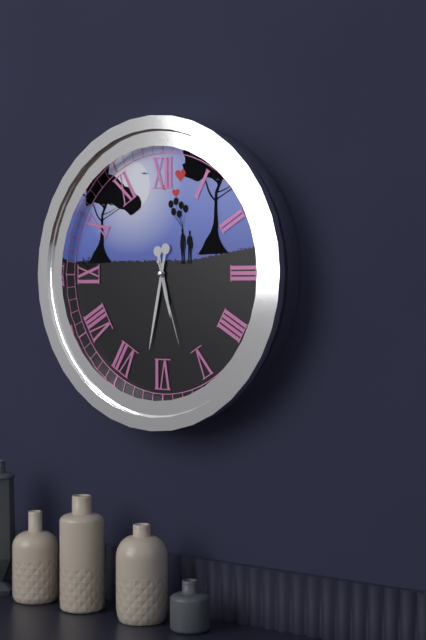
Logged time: h=5 m=32 s=27
